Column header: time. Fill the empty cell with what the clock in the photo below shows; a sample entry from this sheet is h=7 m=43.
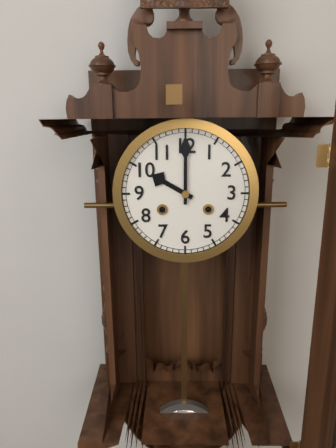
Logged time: h=10 m=0
